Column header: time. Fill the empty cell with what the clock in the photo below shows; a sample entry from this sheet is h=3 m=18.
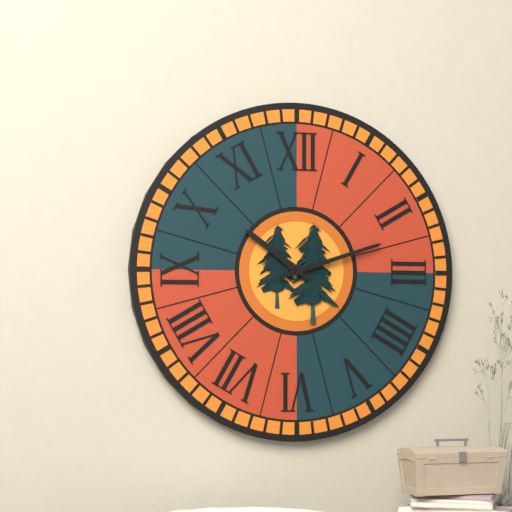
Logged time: h=10 m=12
